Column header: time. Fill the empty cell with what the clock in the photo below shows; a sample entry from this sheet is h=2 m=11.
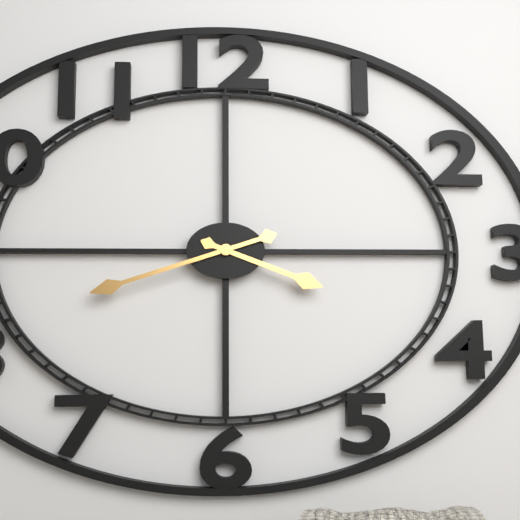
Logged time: h=3 m=42
